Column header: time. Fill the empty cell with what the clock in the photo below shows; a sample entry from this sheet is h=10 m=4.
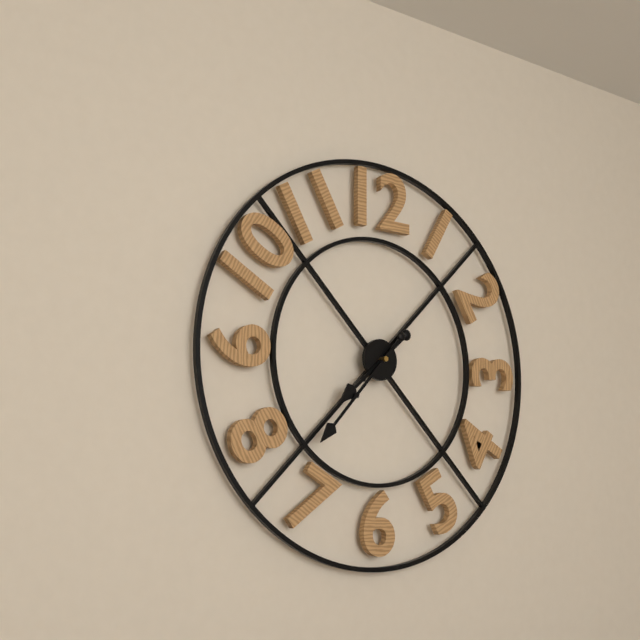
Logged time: h=7 m=37
